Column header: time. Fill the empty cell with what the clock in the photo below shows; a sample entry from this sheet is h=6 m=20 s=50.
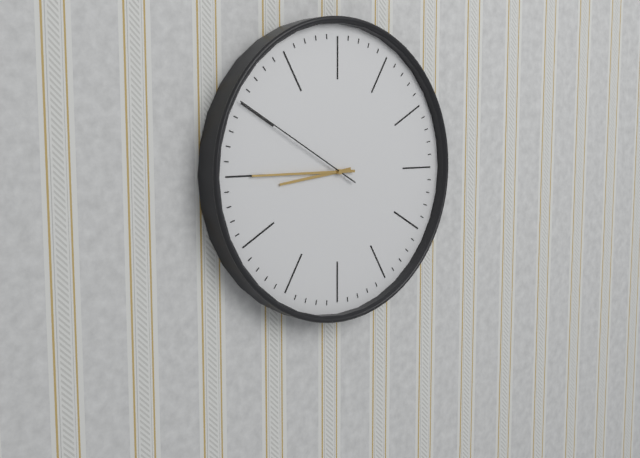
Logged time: h=8 m=45 s=50
